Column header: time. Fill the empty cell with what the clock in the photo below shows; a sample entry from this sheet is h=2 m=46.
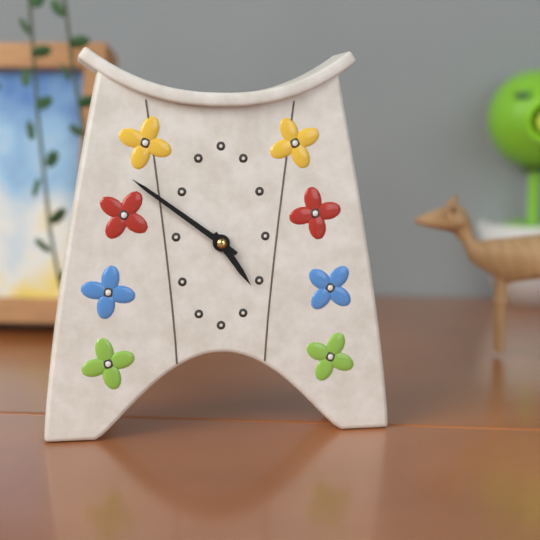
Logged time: h=4 m=51
